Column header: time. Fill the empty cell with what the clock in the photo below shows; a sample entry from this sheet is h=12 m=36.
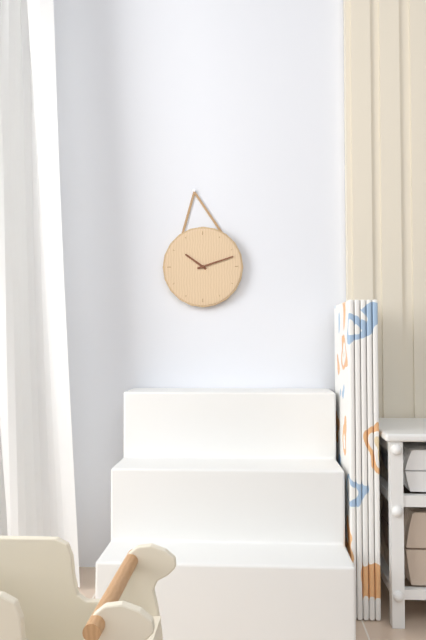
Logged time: h=10 m=12
